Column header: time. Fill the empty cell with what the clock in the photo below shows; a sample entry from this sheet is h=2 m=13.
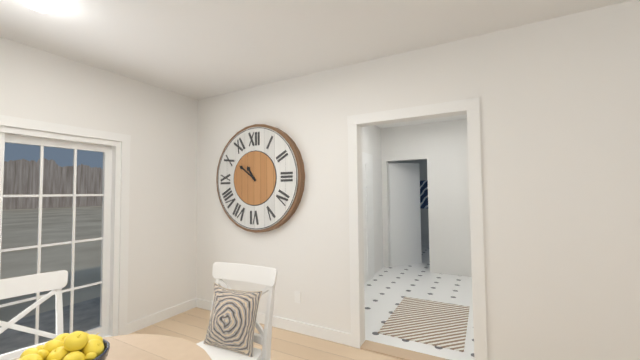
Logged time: h=10 m=51
